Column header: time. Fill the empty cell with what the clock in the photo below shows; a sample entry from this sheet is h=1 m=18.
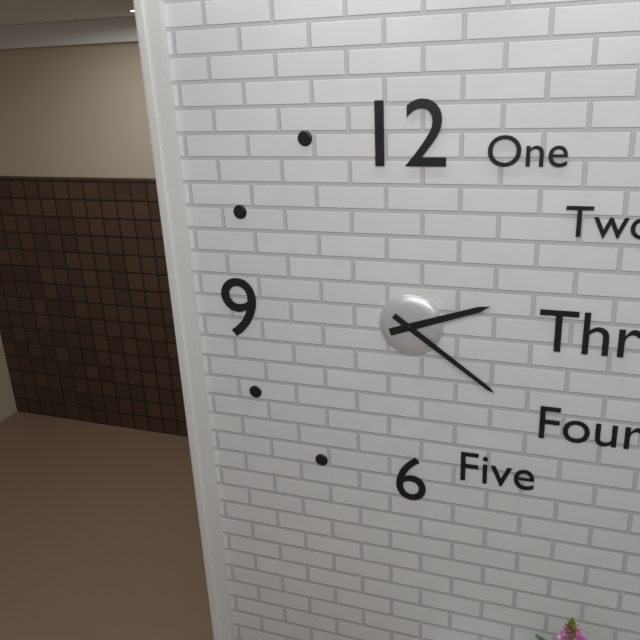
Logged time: h=2 m=21
